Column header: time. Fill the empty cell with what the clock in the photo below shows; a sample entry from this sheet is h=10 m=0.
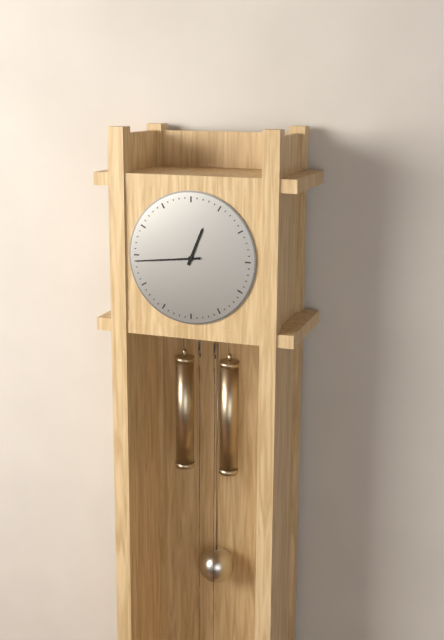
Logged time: h=12 m=44
